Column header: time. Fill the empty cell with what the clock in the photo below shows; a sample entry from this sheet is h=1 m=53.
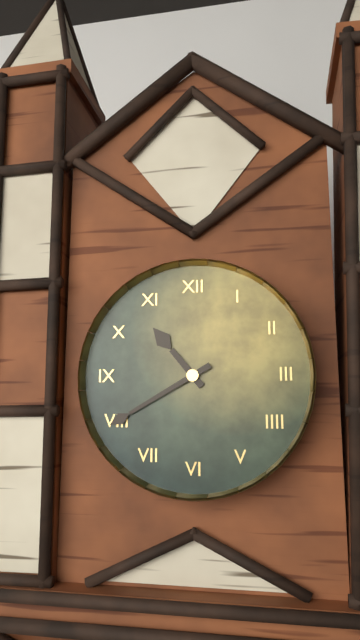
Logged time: h=10 m=40
